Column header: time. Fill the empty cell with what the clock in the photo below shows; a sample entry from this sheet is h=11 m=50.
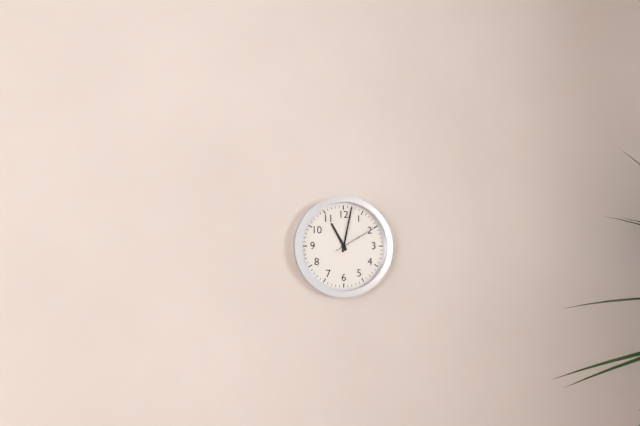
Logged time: h=11 m=2
